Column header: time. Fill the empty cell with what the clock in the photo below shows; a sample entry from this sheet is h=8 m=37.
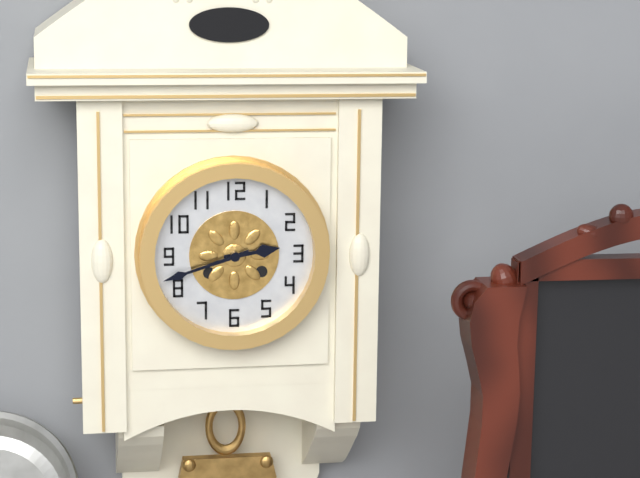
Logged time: h=2 m=42
